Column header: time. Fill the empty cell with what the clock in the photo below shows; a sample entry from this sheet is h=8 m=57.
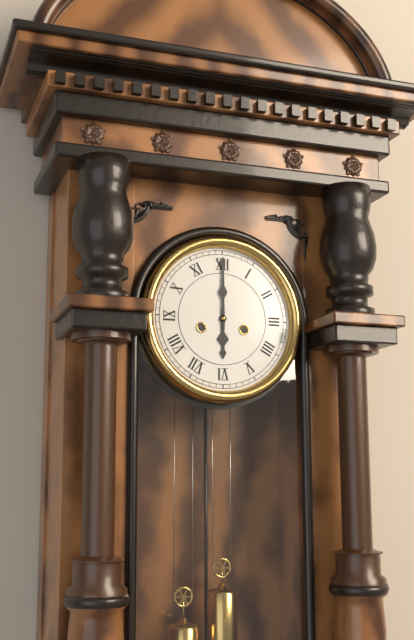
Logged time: h=6 m=0
